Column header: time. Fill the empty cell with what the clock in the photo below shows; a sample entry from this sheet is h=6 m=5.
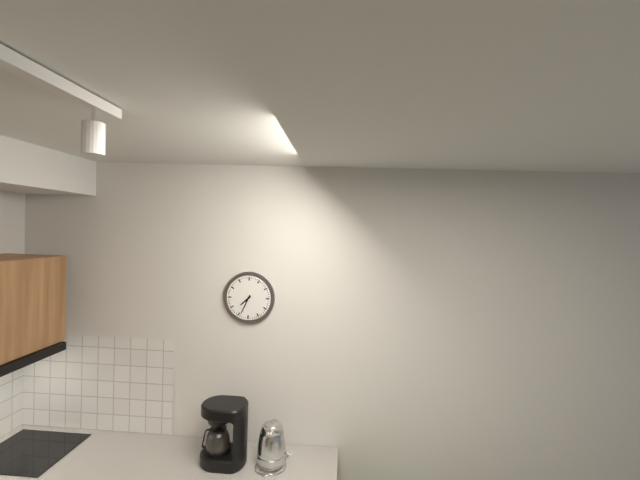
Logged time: h=7 m=34
